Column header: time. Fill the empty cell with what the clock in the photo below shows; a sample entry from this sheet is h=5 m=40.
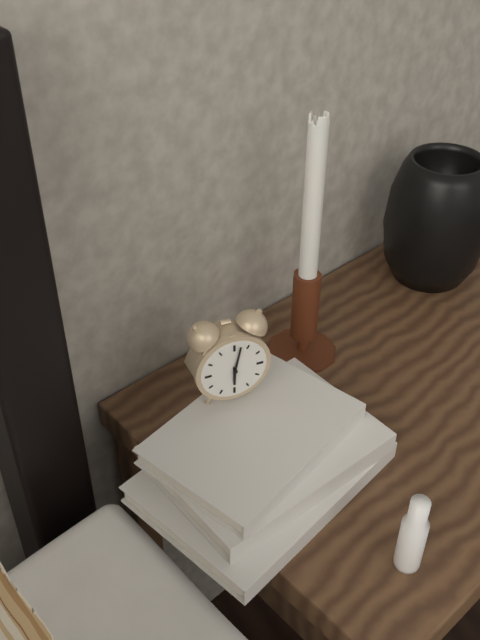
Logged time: h=6 m=2
